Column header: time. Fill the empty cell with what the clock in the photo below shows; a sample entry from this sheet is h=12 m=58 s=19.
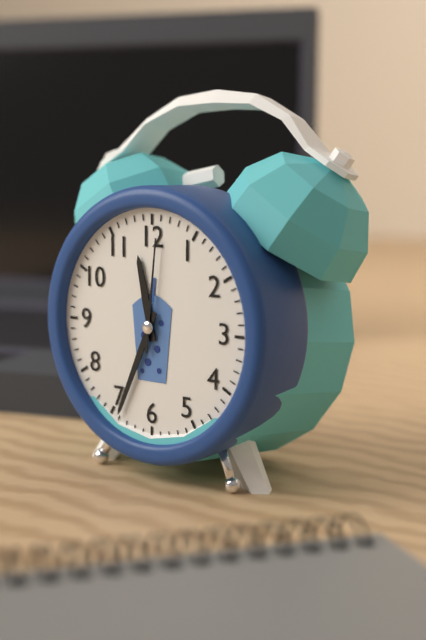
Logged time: h=11 m=34 s=1
